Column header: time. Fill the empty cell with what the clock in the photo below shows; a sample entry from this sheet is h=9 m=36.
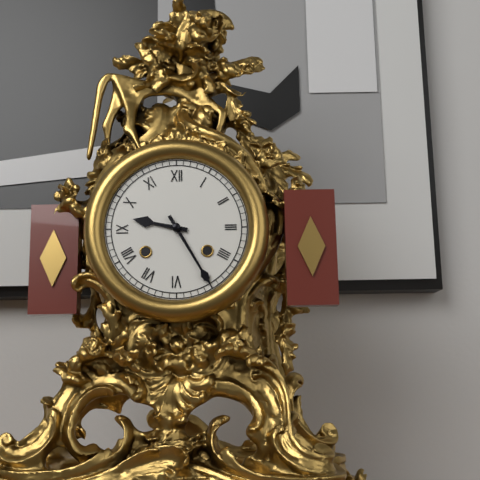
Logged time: h=9 m=25
